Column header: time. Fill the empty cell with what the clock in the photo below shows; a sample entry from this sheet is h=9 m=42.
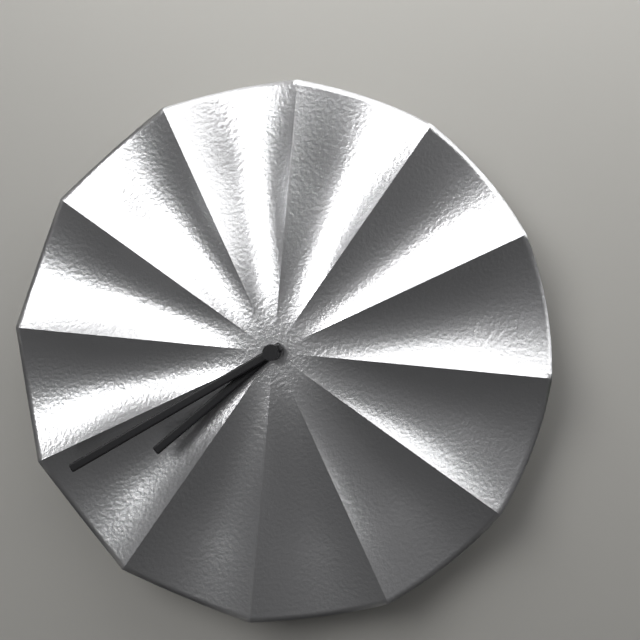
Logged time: h=7 m=40
